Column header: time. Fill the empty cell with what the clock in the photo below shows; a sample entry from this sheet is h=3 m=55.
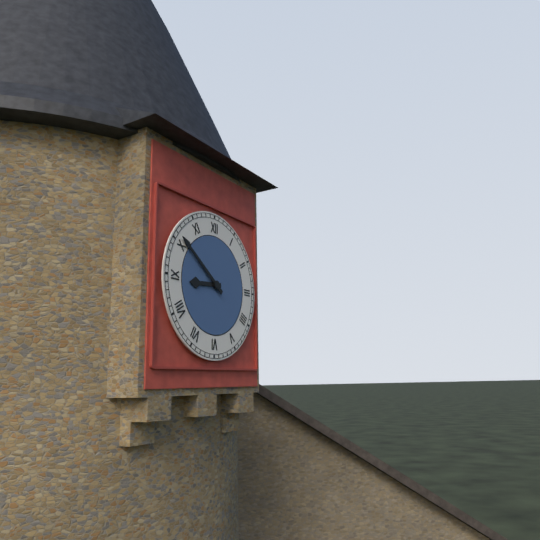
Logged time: h=8 m=51
